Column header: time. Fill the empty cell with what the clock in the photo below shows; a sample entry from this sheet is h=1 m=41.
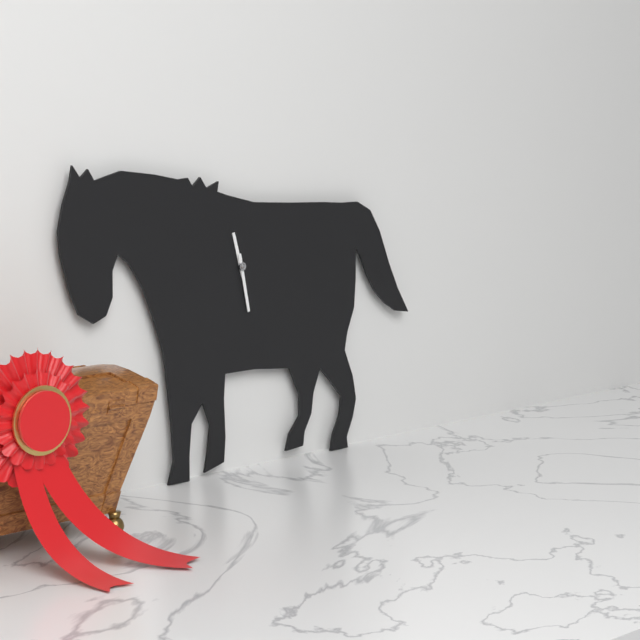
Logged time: h=11 m=28
